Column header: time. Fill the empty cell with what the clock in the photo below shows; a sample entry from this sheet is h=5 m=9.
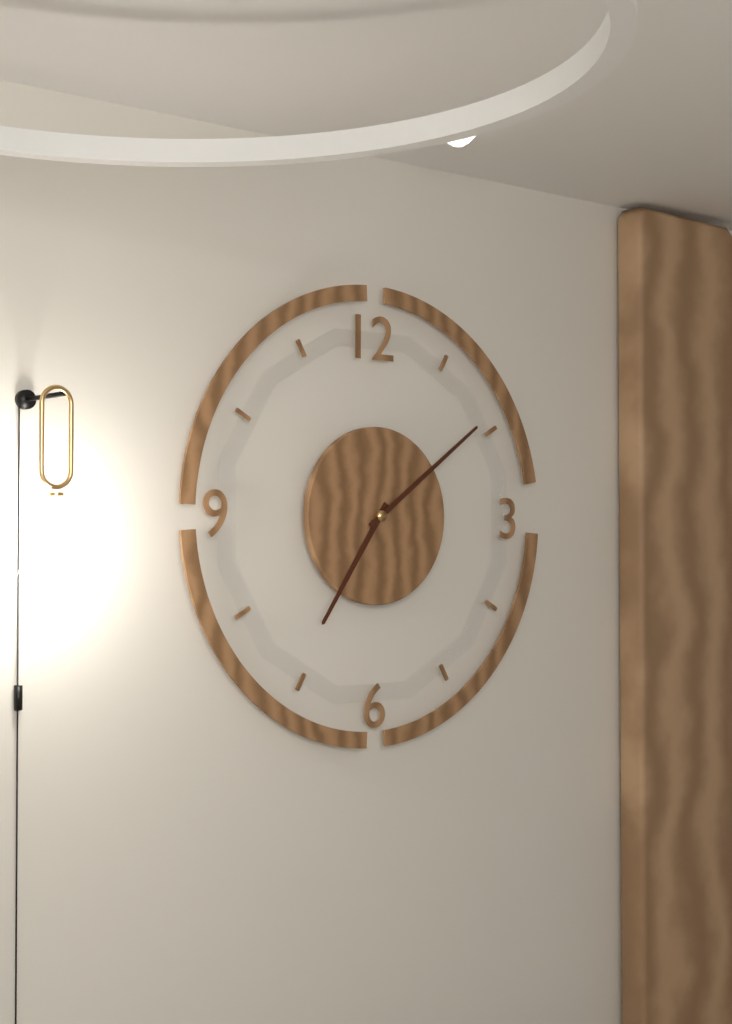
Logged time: h=7 m=9
